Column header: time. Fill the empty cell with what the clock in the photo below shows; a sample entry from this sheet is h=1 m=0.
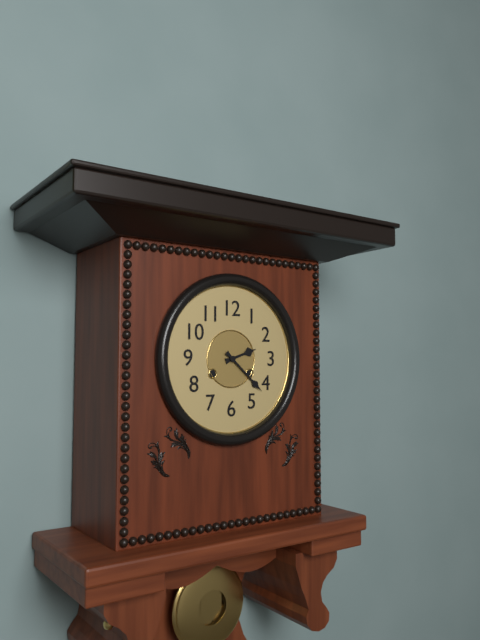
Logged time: h=2 m=22
